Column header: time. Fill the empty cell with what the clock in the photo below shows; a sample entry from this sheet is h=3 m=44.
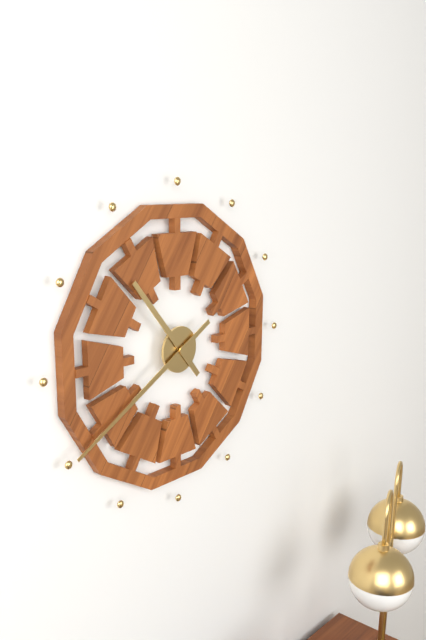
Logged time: h=10 m=40
